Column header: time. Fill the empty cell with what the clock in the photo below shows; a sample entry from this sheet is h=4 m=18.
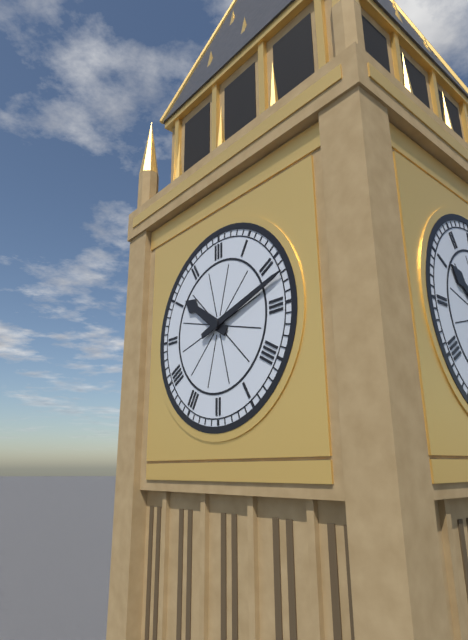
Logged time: h=10 m=12
